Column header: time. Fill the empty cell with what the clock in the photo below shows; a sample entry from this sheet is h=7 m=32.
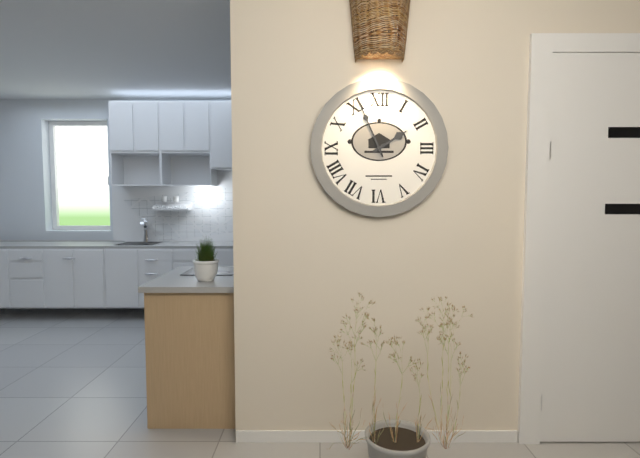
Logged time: h=1 m=56
